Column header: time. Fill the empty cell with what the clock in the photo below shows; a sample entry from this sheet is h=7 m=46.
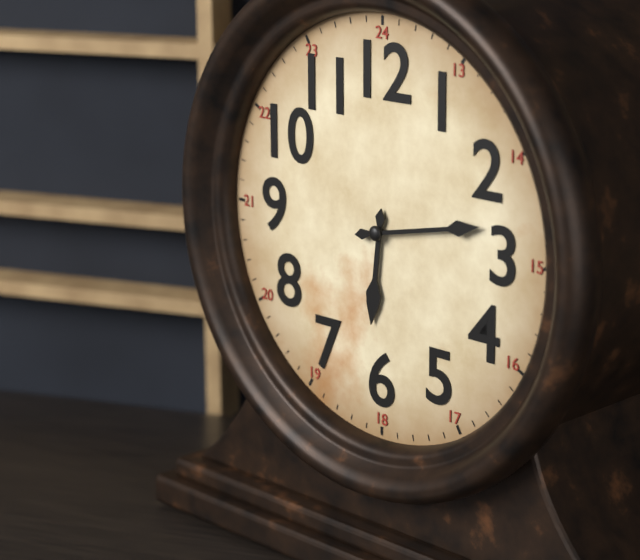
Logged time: h=6 m=13
